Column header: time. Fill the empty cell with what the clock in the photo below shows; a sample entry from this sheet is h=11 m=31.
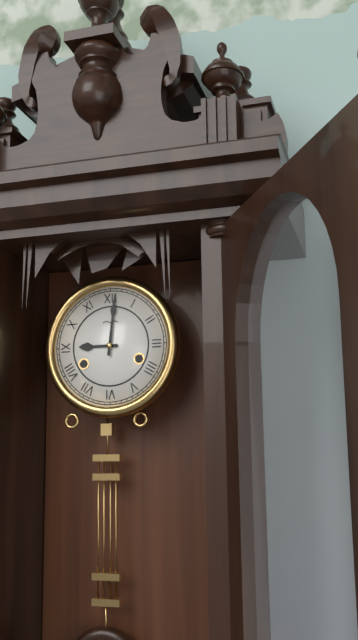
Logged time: h=9 m=1
